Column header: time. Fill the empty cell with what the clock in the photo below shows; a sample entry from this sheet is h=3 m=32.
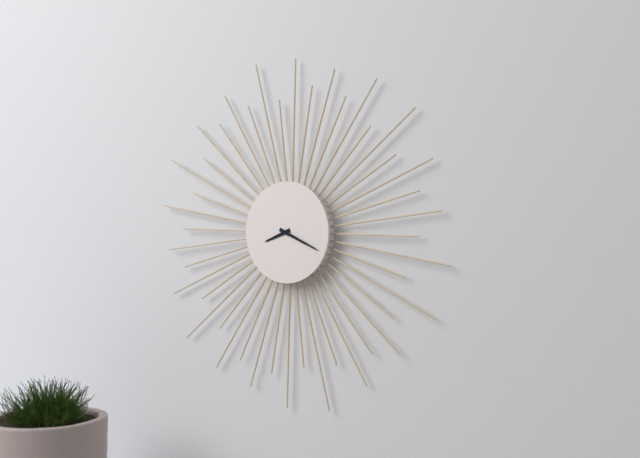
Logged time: h=8 m=19
